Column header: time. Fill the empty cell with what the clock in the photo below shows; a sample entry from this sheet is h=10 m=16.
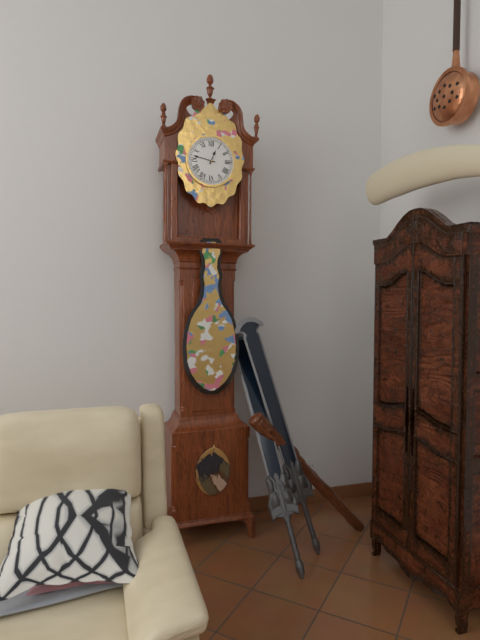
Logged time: h=12 m=47
